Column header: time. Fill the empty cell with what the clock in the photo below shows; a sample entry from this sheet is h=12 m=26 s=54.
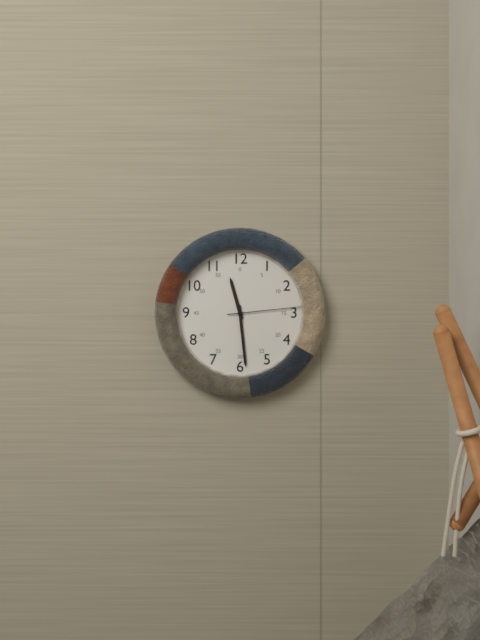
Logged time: h=11 m=29 s=14
